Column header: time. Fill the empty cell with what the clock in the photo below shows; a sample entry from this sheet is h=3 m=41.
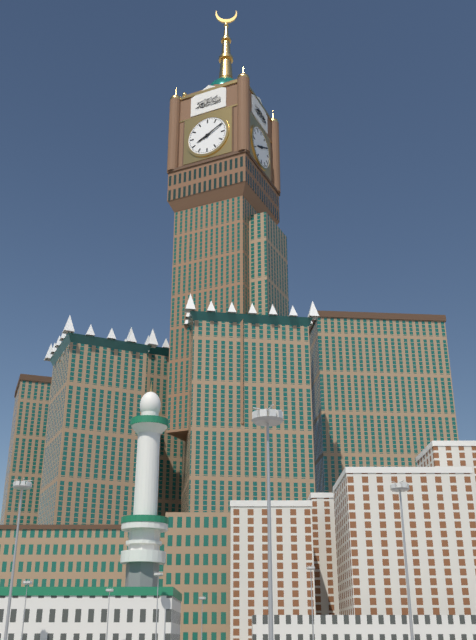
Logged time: h=8 m=10
